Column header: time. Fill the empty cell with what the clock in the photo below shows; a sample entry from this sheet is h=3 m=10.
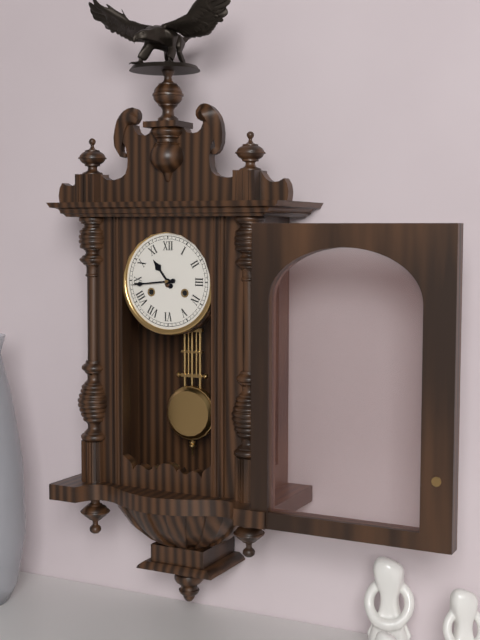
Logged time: h=10 m=44
